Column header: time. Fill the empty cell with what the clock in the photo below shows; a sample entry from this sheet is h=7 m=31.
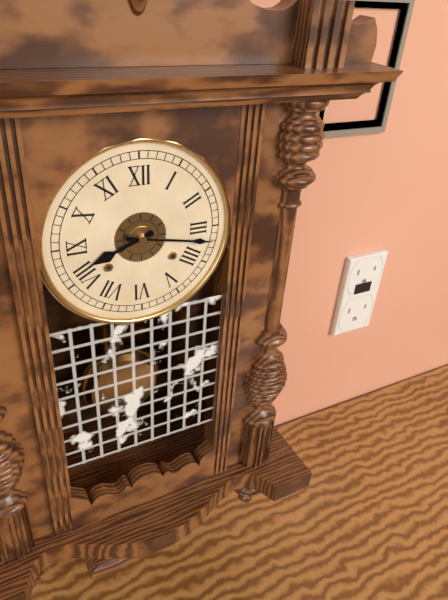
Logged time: h=8 m=17
